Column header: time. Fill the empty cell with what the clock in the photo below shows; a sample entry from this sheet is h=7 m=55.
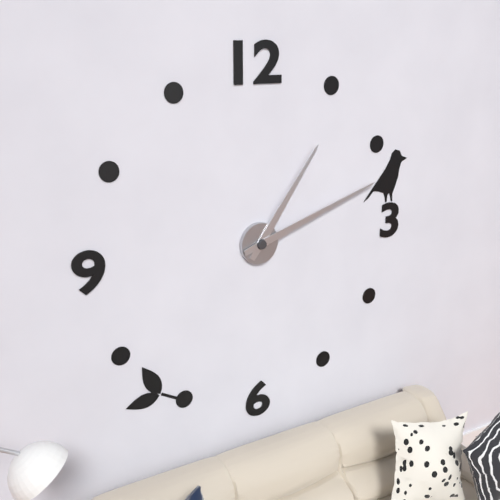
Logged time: h=1 m=12
